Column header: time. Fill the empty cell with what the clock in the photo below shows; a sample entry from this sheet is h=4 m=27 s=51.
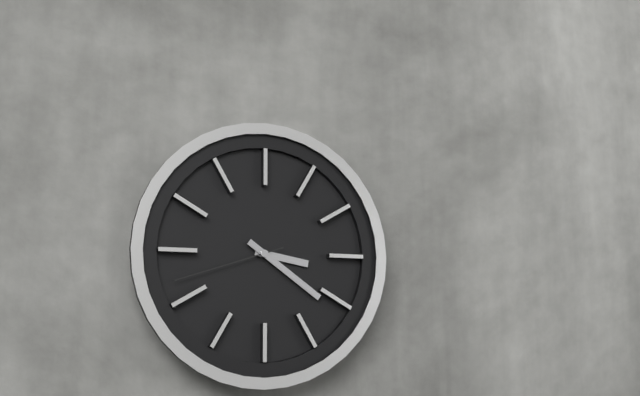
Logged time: h=3 m=21 s=42
